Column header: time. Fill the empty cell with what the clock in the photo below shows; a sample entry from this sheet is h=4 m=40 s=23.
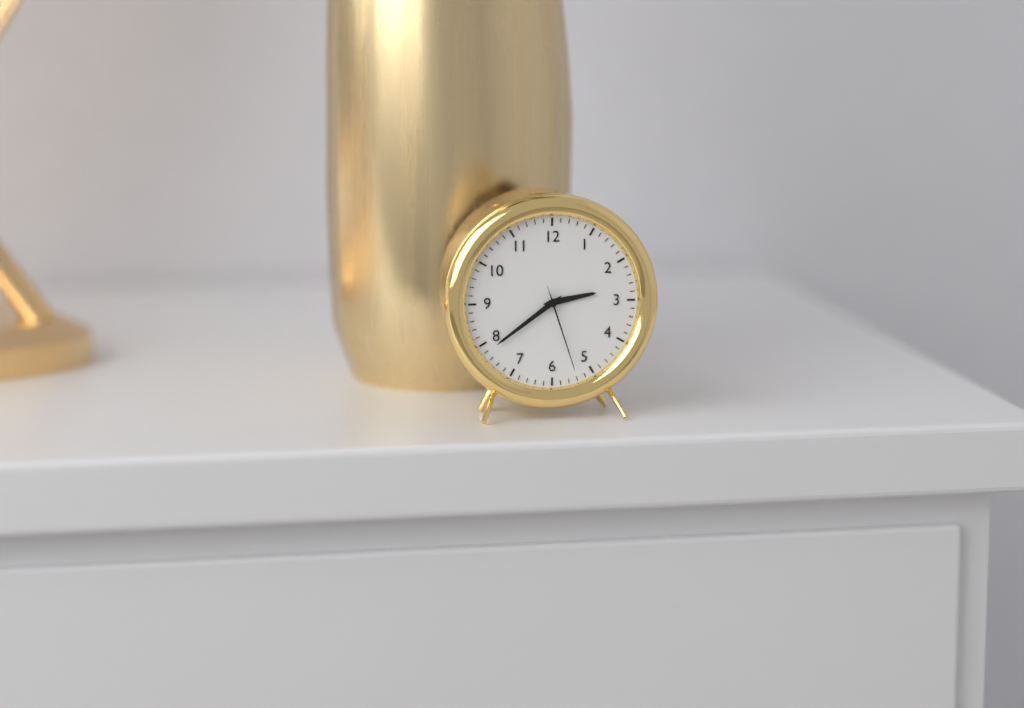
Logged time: h=2 m=39 s=27
